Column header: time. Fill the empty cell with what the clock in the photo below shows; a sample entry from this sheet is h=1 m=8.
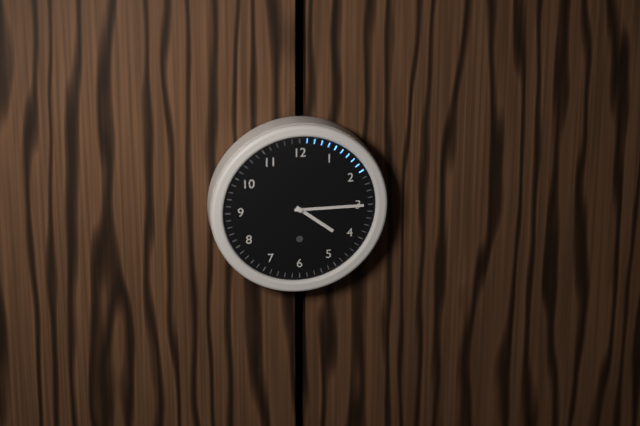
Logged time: h=4 m=15
